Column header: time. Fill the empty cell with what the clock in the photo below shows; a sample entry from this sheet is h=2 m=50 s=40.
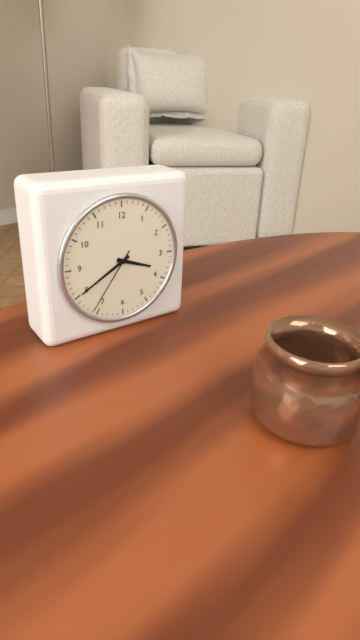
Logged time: h=3 m=40 s=36
